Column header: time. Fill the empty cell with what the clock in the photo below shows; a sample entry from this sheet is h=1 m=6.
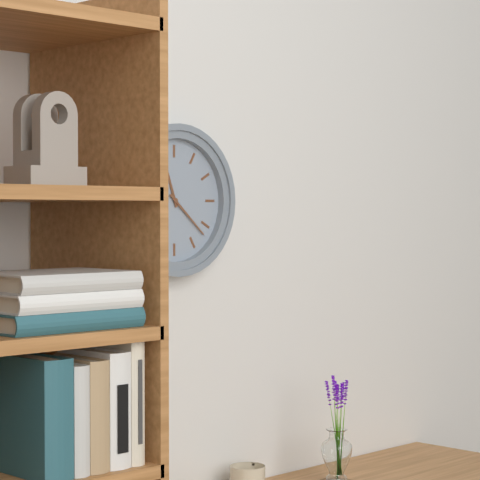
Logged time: h=11 m=22
